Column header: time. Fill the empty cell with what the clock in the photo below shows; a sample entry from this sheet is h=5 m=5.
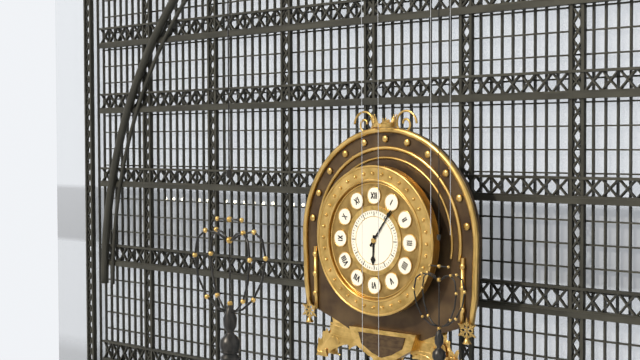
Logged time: h=6 m=6
